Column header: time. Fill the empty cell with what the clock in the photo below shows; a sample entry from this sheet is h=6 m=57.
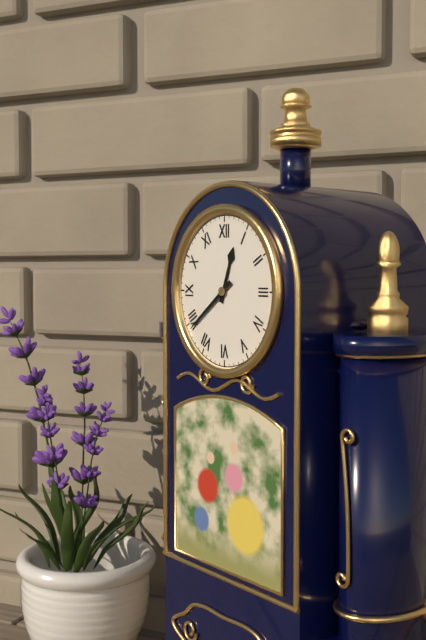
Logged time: h=12 m=39
